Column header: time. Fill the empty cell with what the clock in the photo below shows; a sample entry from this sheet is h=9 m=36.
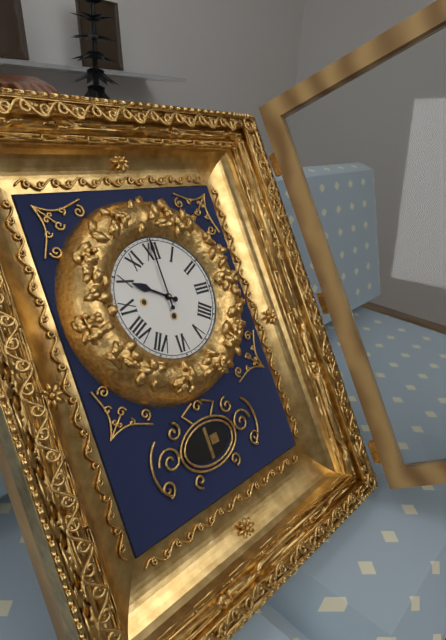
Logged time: h=10 m=0
